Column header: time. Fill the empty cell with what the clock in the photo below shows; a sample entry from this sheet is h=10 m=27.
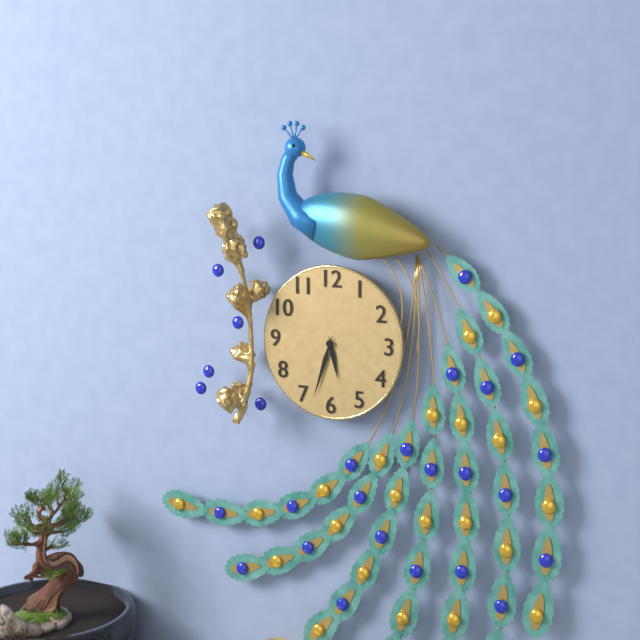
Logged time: h=5 m=33
